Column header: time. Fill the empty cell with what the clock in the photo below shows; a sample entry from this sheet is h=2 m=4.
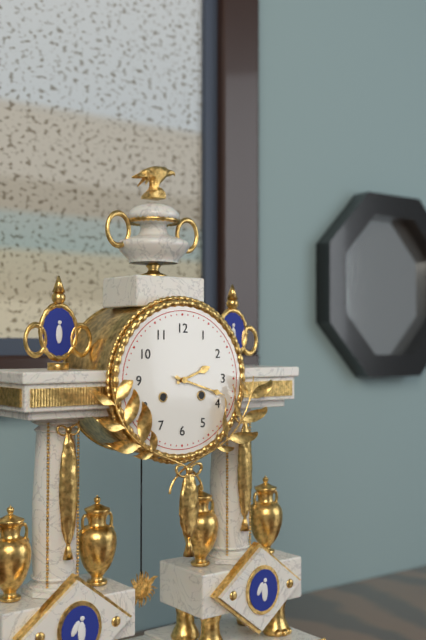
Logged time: h=2 m=18
